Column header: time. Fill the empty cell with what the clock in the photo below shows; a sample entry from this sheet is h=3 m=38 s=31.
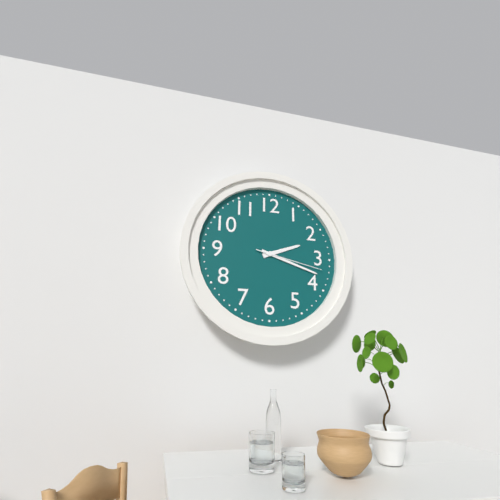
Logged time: h=2 m=18 s=17
